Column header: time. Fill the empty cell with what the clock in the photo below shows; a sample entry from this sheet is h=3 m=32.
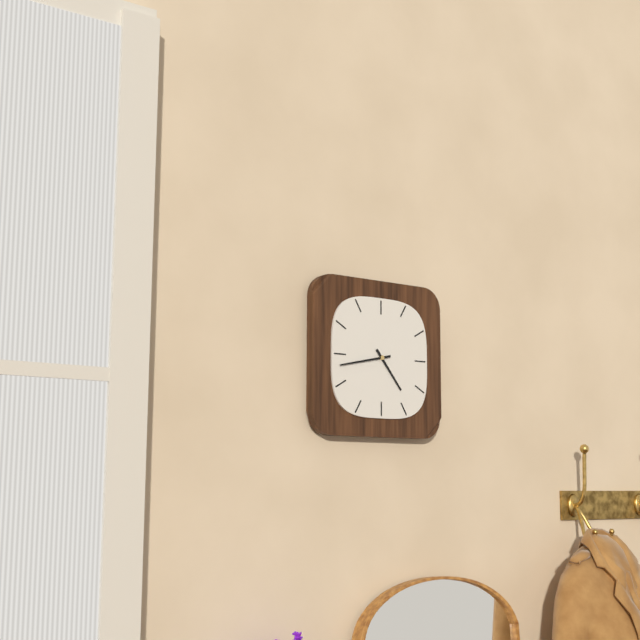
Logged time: h=4 m=43
